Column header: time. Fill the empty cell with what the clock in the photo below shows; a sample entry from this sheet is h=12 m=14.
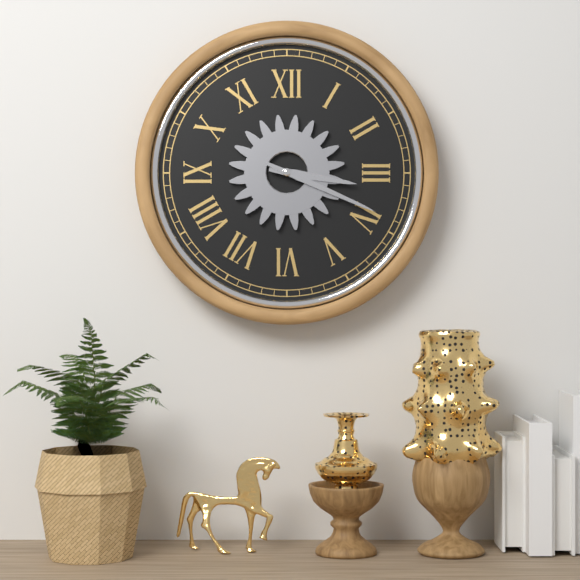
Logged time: h=3 m=19
